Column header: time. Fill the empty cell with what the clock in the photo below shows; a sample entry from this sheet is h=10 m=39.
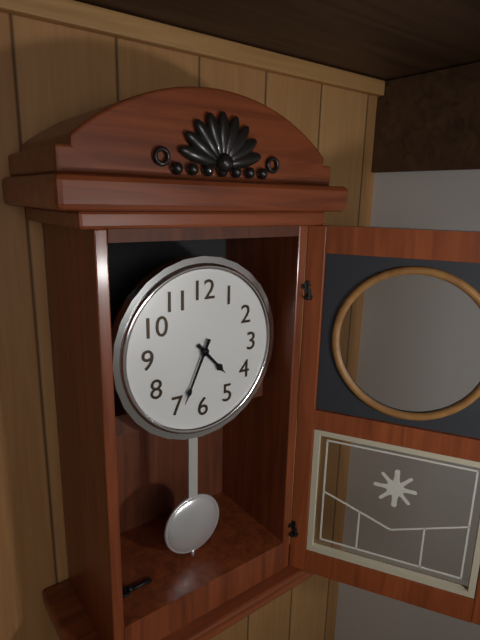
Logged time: h=4 m=34
